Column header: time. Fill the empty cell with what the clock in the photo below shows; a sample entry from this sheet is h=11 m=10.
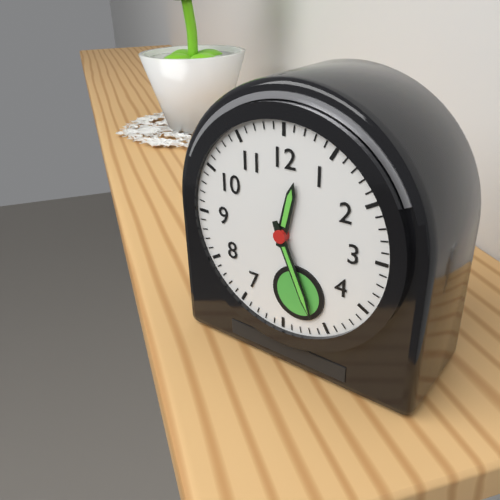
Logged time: h=12 m=26
